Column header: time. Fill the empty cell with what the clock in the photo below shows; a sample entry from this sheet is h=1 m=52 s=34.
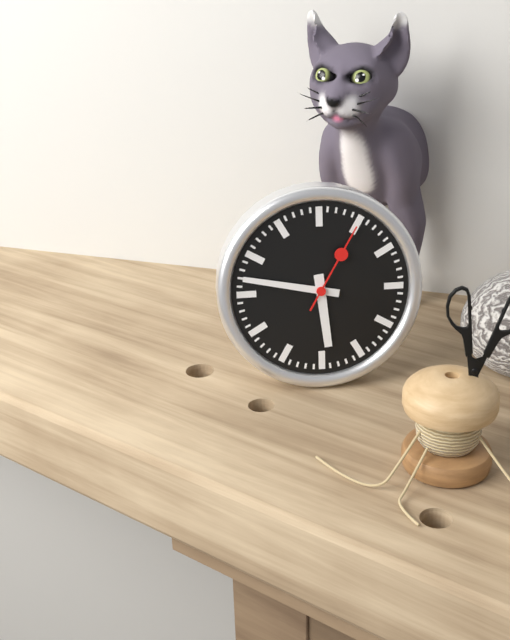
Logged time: h=5 m=47 s=5
